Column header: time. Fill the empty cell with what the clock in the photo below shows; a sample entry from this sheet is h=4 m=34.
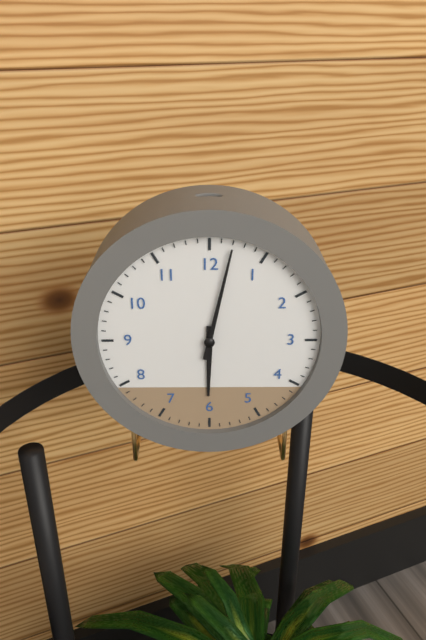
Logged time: h=6 m=2
